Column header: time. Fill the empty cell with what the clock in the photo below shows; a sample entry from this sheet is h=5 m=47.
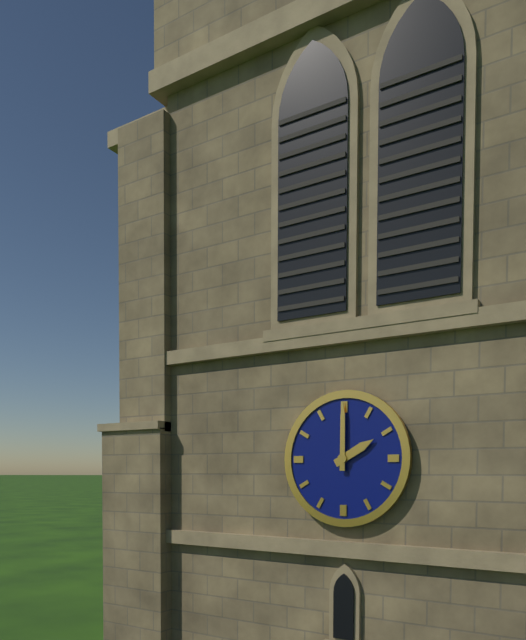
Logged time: h=2 m=0
